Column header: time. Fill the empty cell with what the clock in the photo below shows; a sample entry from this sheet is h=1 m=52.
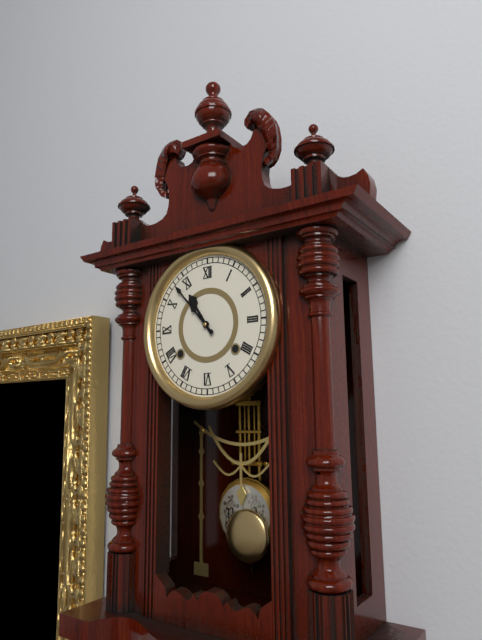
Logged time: h=10 m=53
